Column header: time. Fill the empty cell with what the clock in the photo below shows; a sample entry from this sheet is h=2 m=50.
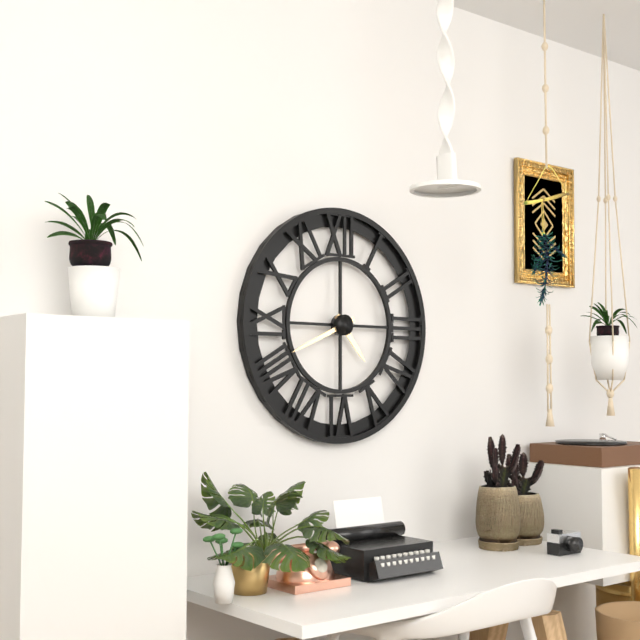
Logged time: h=4 m=41
